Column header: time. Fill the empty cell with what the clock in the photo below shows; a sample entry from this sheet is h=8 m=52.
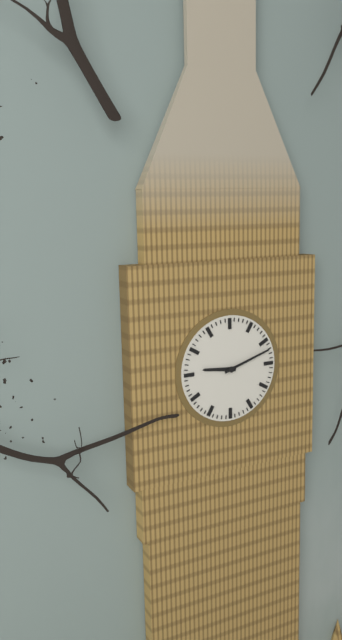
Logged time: h=9 m=12
